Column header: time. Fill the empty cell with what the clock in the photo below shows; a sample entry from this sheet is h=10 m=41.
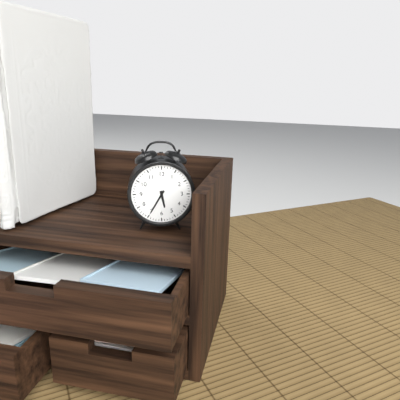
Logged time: h=5 m=35
